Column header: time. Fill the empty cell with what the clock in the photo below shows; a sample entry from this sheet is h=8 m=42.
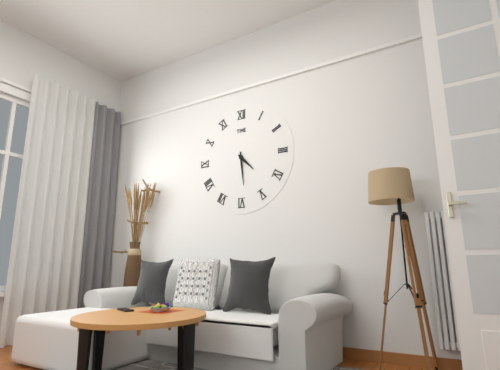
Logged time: h=4 m=29
